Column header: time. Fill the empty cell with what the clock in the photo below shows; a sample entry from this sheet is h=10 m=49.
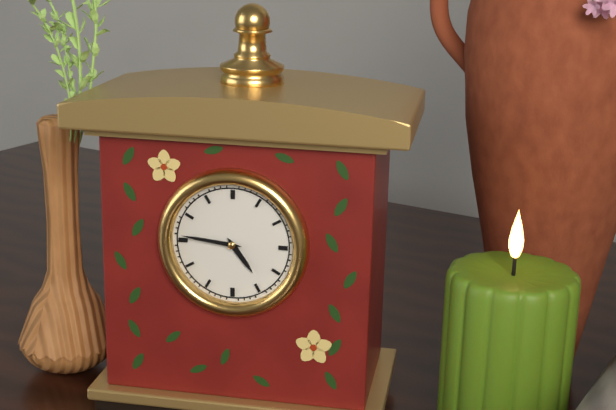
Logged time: h=4 m=46
